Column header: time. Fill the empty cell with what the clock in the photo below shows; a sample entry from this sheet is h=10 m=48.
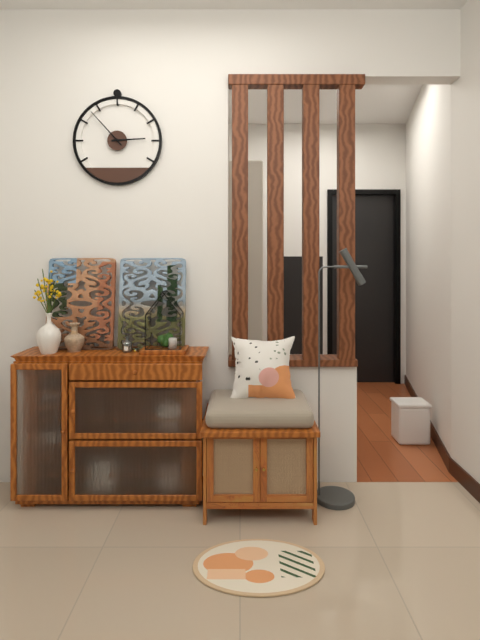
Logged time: h=2 m=53
